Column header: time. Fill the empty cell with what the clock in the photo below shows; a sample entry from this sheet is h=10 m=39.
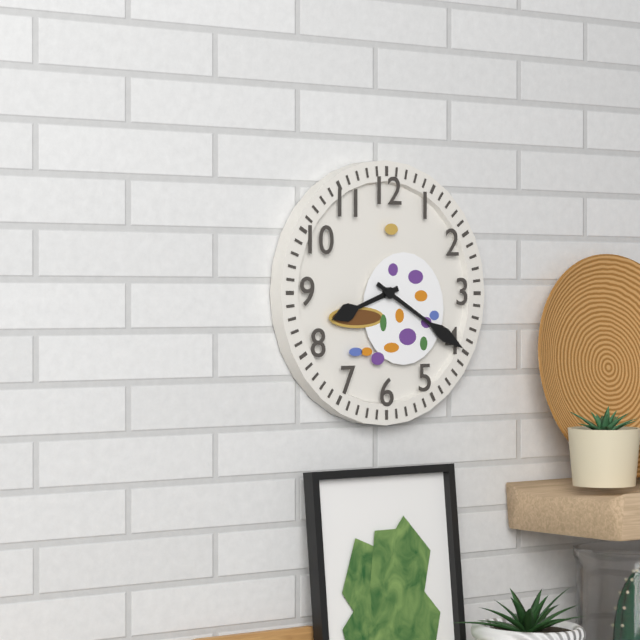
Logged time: h=8 m=20
